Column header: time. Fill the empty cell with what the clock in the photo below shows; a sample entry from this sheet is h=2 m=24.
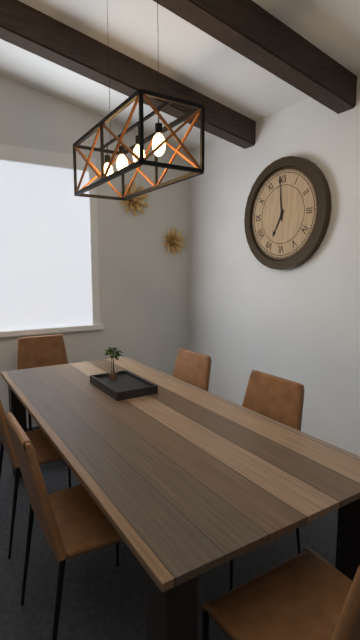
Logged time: h=6 m=59
